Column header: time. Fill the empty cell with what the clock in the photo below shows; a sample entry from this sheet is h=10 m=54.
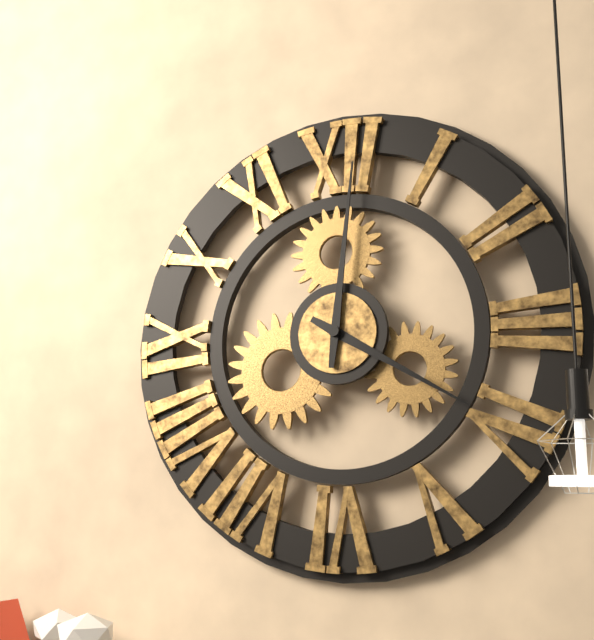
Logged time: h=4 m=1
